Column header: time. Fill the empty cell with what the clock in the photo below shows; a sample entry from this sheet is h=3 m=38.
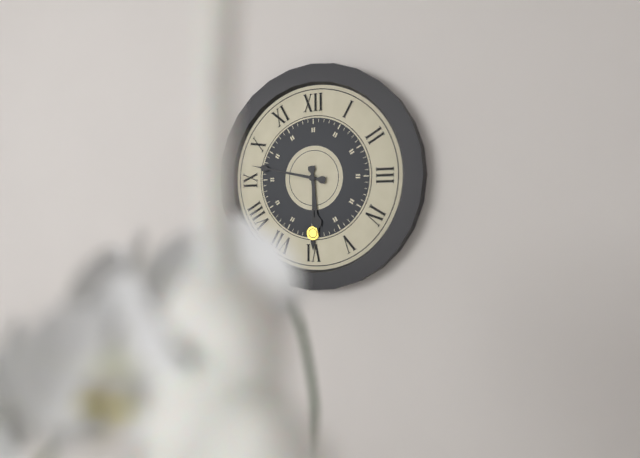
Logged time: h=5 m=47
